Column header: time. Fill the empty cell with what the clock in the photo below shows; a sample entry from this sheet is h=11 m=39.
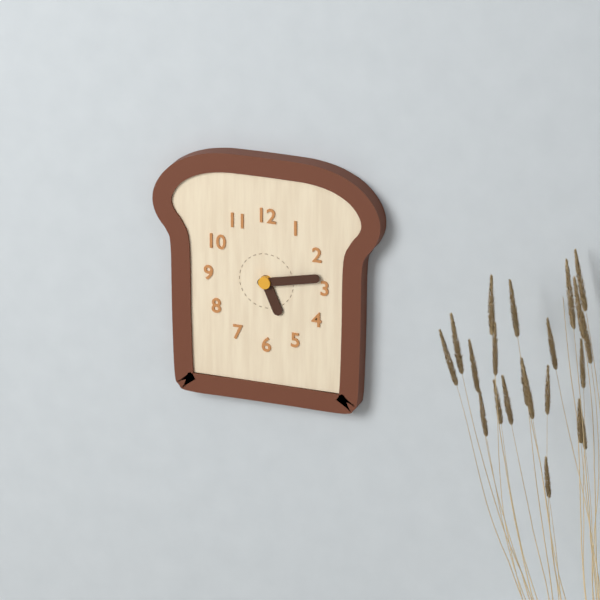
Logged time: h=5 m=13
